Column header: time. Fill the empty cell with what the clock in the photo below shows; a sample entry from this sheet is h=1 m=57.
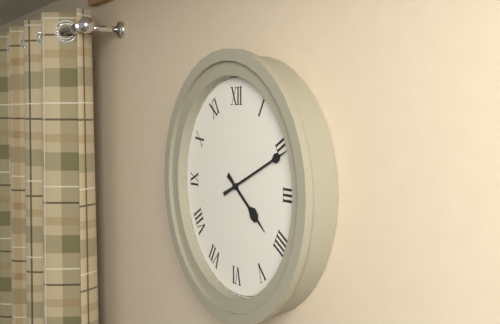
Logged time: h=4 m=11
